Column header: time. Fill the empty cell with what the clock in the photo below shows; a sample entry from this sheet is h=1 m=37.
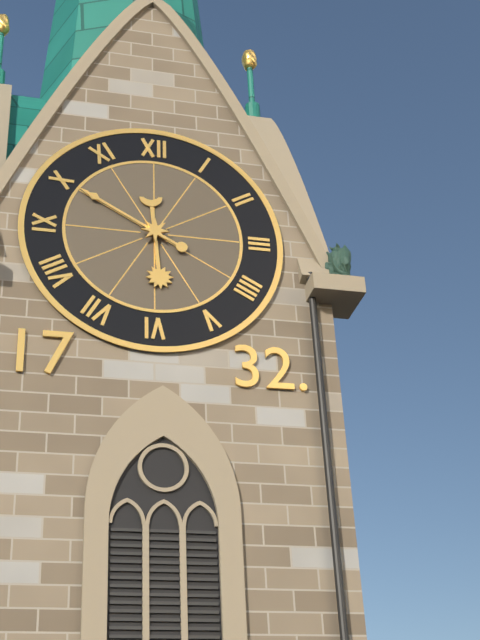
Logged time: h=5 m=50
